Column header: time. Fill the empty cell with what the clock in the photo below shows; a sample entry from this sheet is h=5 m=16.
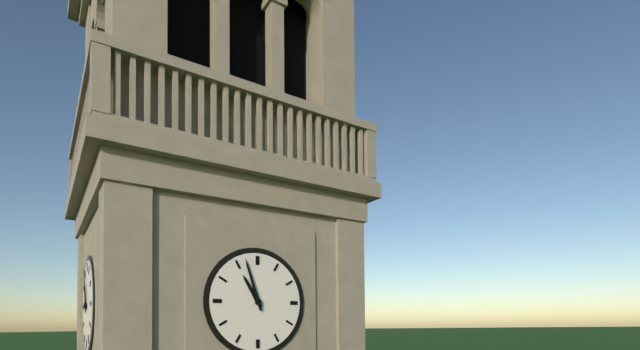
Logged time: h=10 m=57
